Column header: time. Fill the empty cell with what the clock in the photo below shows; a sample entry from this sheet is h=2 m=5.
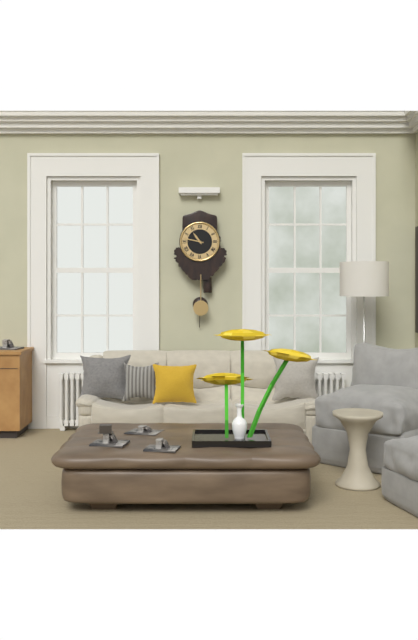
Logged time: h=10 m=47
